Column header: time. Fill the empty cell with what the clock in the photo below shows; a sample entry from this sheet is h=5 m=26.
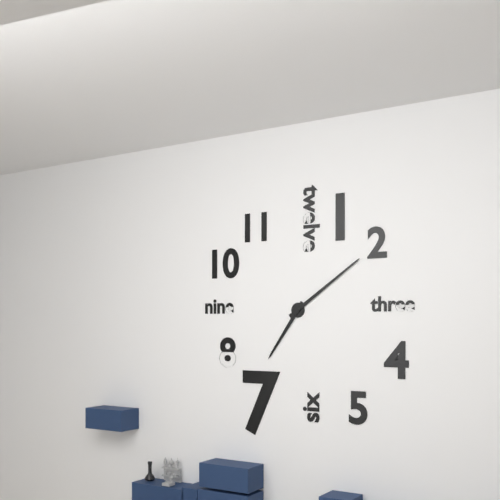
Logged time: h=7 m=9
